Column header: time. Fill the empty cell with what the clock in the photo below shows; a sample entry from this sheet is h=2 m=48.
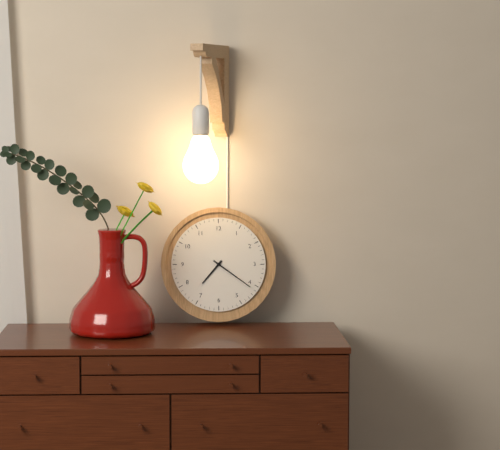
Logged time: h=7 m=21
